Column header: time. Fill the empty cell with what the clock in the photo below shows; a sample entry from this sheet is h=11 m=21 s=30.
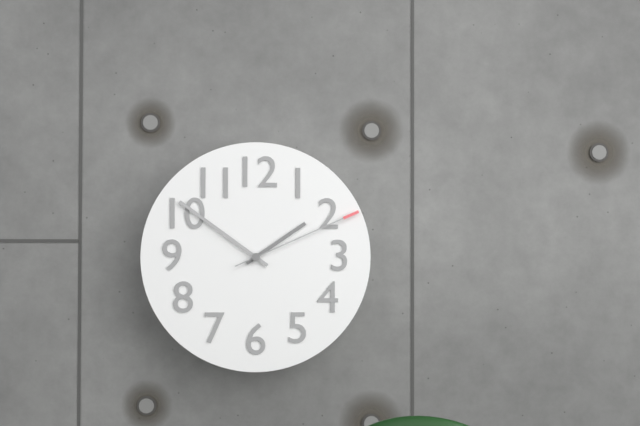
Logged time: h=1 m=51 s=11
